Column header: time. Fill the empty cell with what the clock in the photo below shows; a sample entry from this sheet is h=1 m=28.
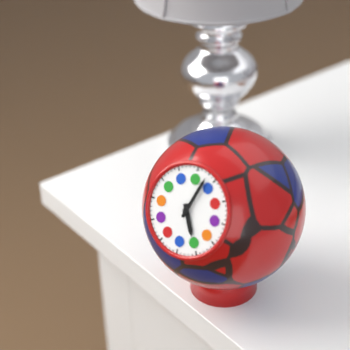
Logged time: h=5 m=3
